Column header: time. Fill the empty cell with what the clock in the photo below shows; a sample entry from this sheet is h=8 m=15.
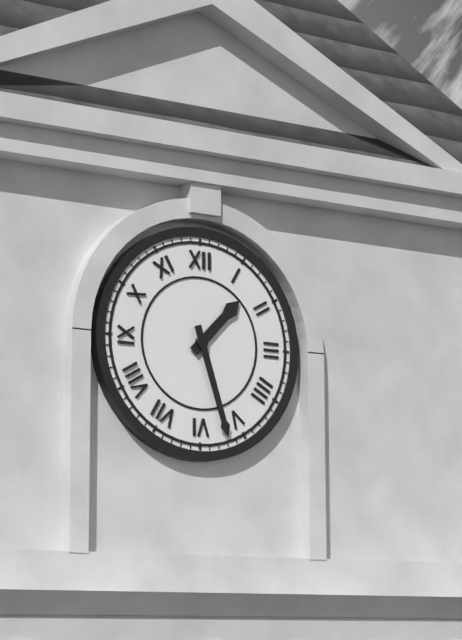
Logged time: h=1 m=27
